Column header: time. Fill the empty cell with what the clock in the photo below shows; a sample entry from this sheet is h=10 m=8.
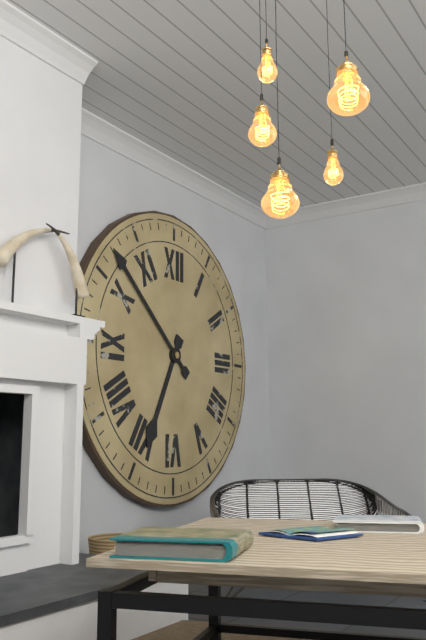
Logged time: h=6 m=52
